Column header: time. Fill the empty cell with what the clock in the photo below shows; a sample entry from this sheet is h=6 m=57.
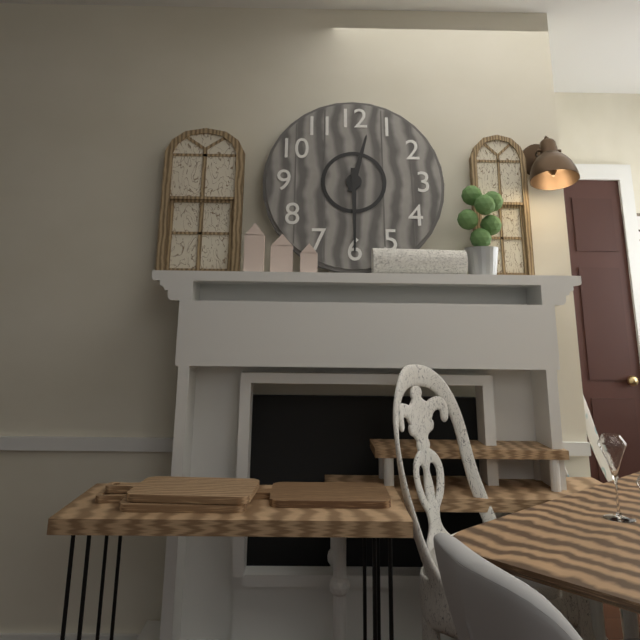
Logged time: h=12 m=30
